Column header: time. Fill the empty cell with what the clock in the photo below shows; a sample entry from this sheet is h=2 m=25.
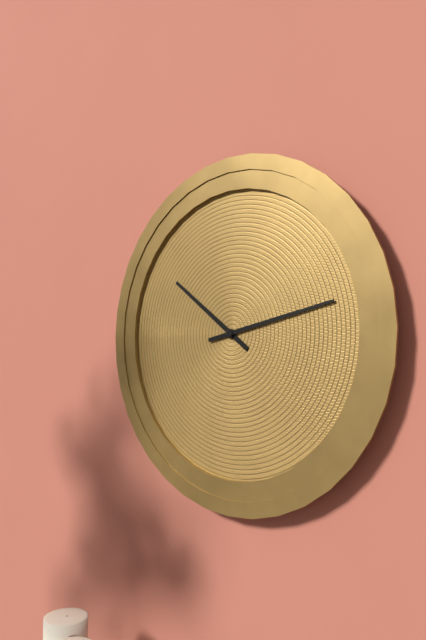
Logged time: h=10 m=13
